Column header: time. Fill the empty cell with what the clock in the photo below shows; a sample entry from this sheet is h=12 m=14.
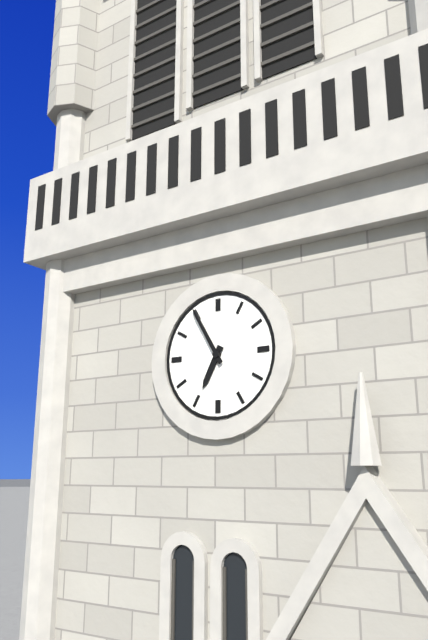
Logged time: h=6 m=55
